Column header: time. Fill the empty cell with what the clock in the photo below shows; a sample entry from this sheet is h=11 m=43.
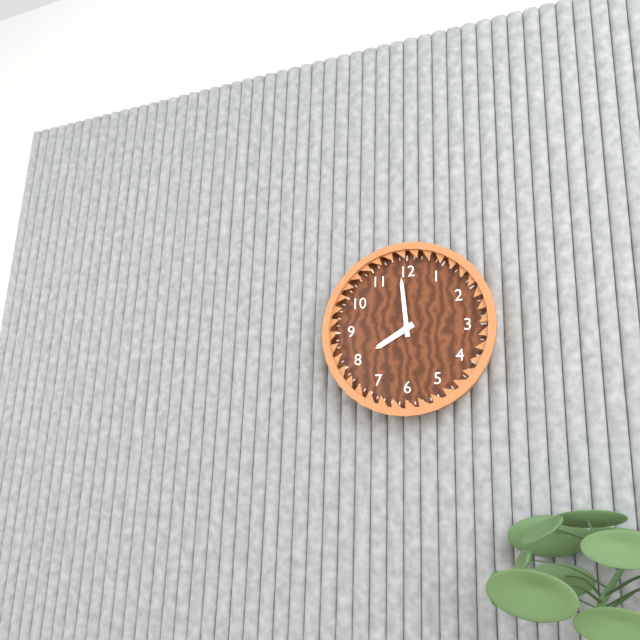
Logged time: h=7 m=59
